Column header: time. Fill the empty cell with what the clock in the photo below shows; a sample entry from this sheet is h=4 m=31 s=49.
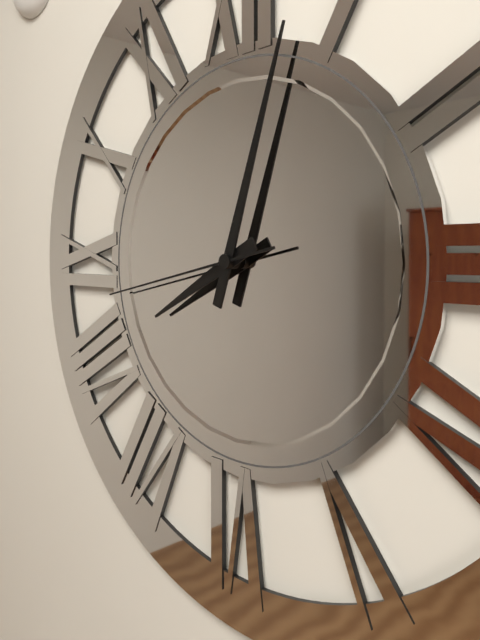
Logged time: h=8 m=3 s=43
